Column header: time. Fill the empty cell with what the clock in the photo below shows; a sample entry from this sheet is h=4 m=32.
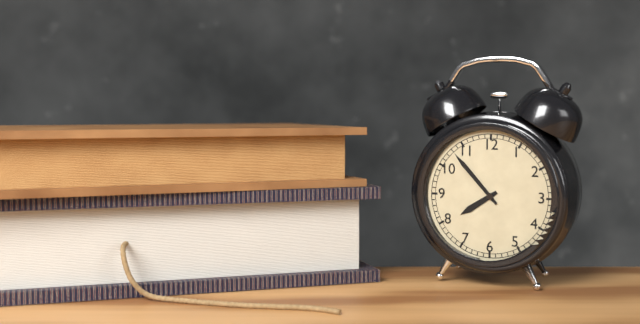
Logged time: h=7 m=53
